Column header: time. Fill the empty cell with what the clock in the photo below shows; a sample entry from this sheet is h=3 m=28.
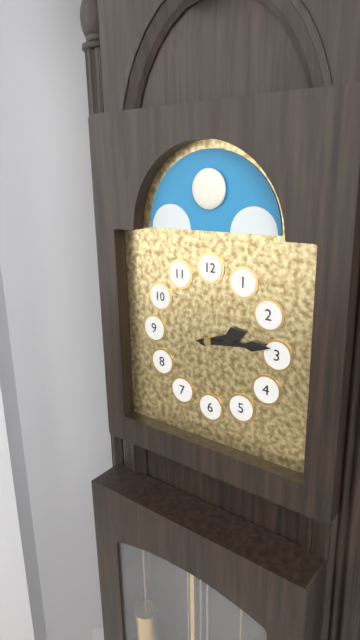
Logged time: h=2 m=14
